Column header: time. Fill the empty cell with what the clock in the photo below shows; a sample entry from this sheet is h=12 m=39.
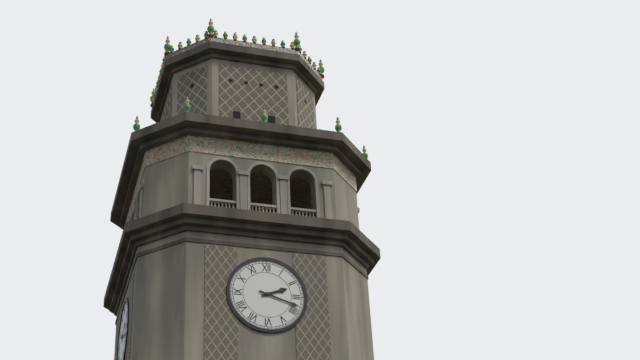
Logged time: h=2 m=18
